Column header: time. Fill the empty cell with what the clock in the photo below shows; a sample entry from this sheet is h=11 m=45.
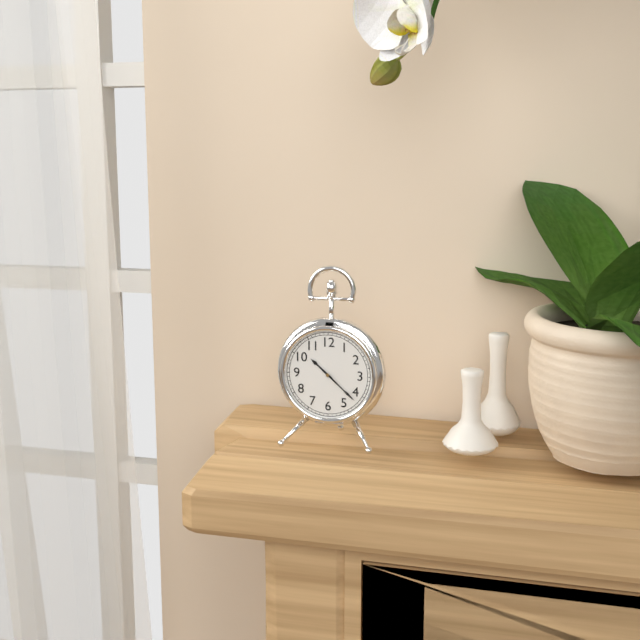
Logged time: h=10 m=22
